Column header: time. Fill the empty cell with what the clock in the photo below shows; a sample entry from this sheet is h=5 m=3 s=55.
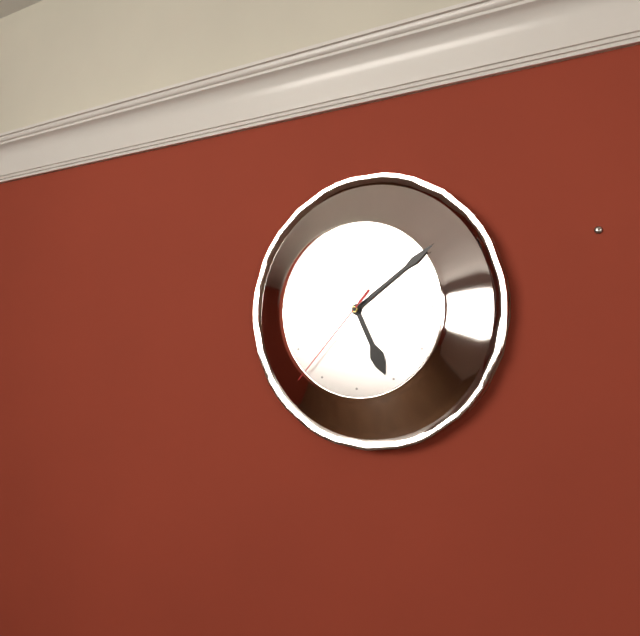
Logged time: h=5 m=9 s=37
